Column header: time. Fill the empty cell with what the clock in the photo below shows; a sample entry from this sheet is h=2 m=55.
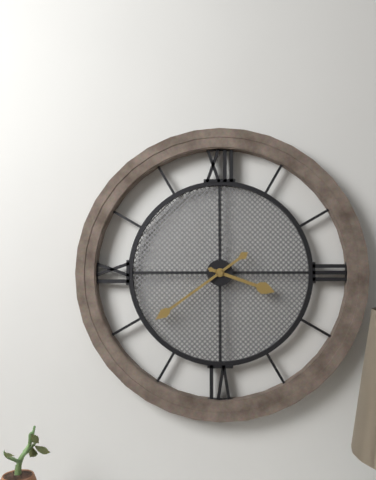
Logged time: h=3 m=39
